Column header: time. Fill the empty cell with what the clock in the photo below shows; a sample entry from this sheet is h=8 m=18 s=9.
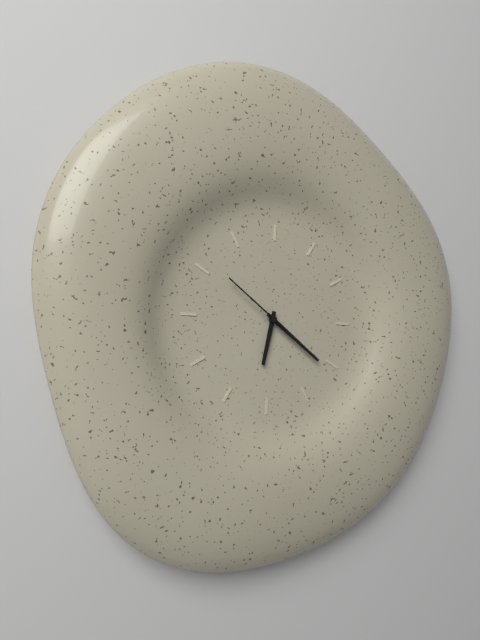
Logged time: h=6 m=21 s=51
